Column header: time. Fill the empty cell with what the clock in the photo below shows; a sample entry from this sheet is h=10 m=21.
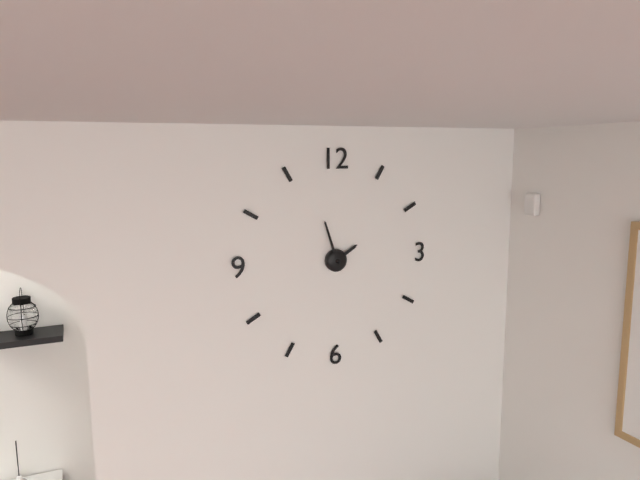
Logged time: h=1 m=57
